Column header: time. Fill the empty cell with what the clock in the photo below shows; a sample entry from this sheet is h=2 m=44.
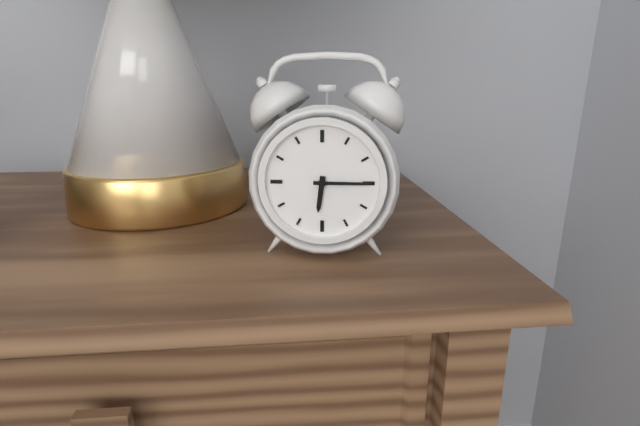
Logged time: h=6 m=15
